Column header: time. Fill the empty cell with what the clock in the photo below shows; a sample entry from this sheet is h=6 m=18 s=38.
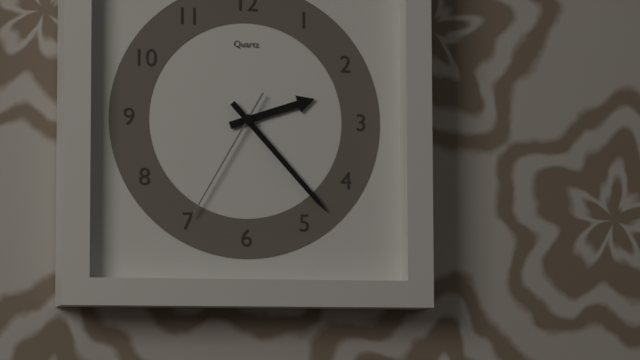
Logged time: h=2 m=23 s=35
